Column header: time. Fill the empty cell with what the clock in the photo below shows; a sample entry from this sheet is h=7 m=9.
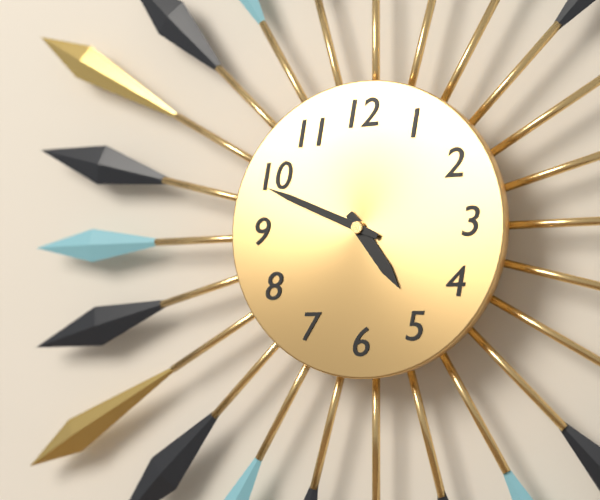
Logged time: h=4 m=49
